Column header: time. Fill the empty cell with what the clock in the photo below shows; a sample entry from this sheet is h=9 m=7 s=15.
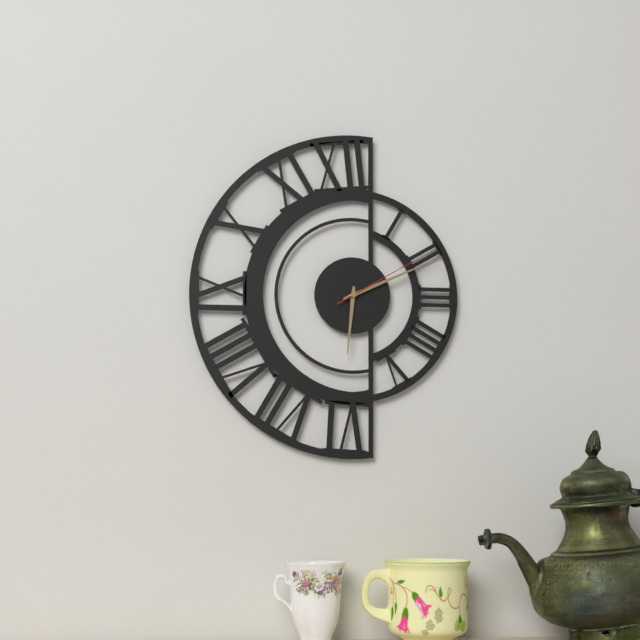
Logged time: h=6 m=11 s=10
